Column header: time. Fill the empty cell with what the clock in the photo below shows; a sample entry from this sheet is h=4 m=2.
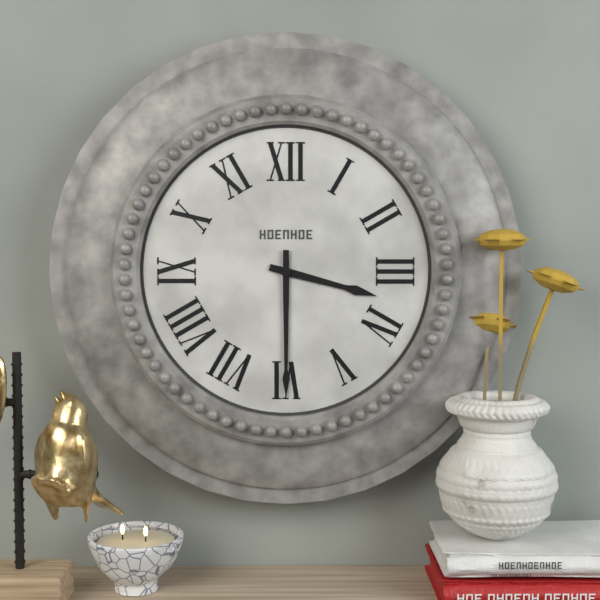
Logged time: h=3 m=30
